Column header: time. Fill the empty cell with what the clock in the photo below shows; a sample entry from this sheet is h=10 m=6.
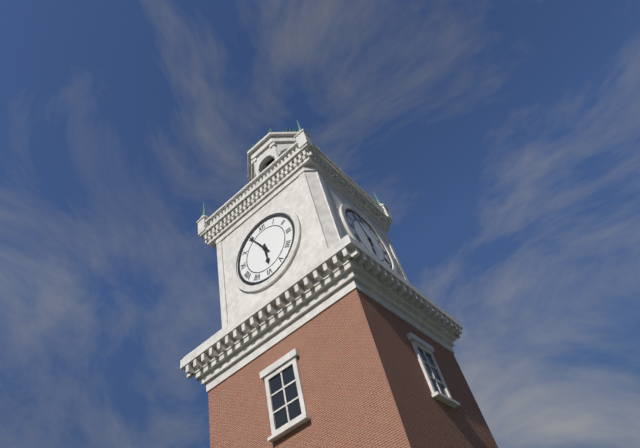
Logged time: h=5 m=55
